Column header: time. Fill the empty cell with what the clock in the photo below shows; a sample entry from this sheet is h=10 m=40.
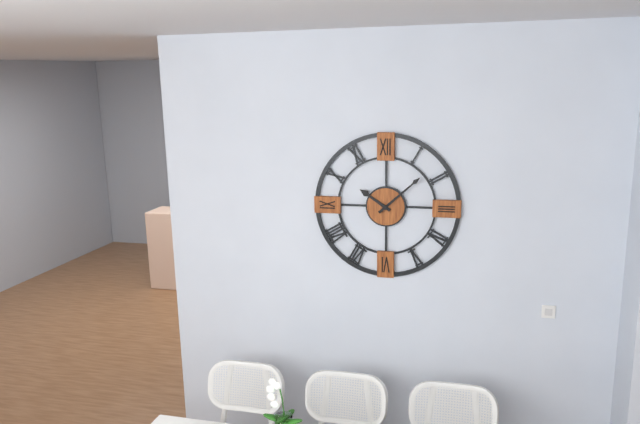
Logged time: h=10 m=8
